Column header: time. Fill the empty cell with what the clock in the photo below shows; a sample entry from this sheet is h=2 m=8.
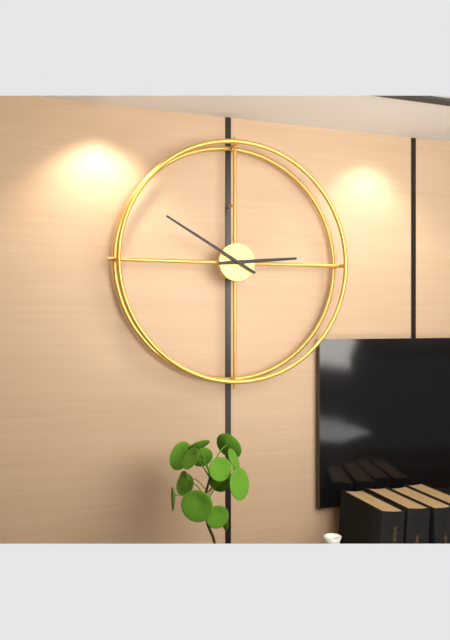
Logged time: h=2 m=50
